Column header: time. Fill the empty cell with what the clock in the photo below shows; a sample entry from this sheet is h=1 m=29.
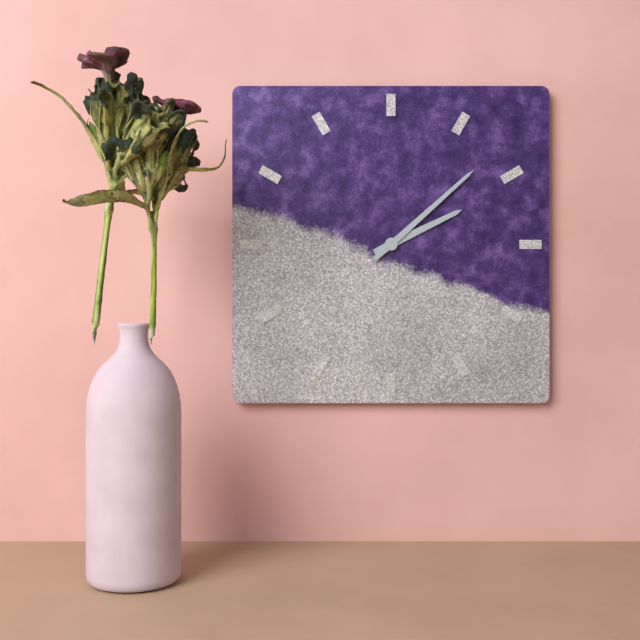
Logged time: h=2 m=8
